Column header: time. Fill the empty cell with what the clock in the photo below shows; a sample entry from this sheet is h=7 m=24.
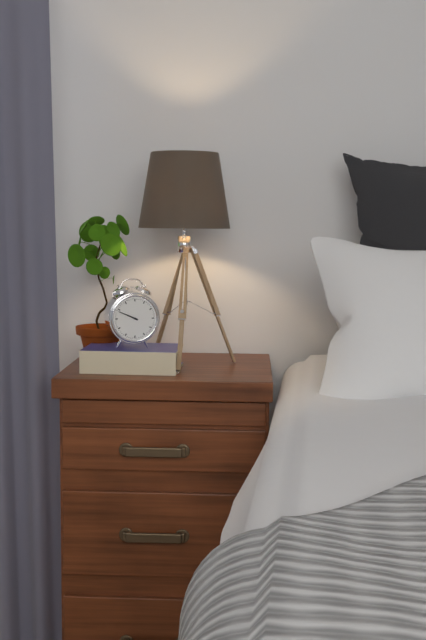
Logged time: h=9 m=49
